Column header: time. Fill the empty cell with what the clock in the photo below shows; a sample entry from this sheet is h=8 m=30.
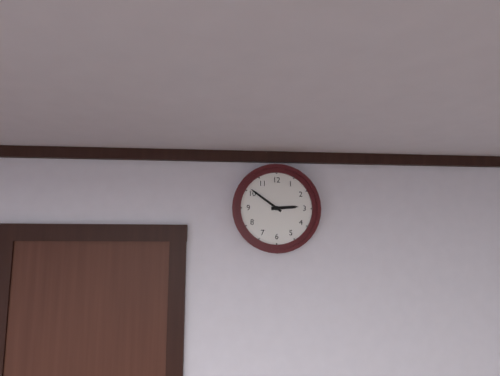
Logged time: h=2 m=51
